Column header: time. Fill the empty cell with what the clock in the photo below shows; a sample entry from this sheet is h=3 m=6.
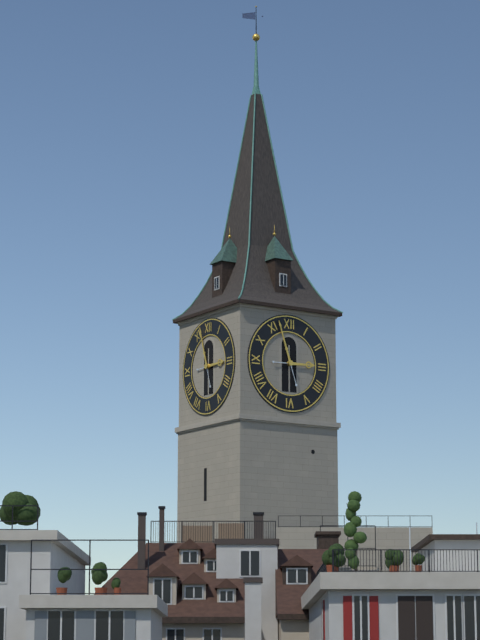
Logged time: h=2 m=57
